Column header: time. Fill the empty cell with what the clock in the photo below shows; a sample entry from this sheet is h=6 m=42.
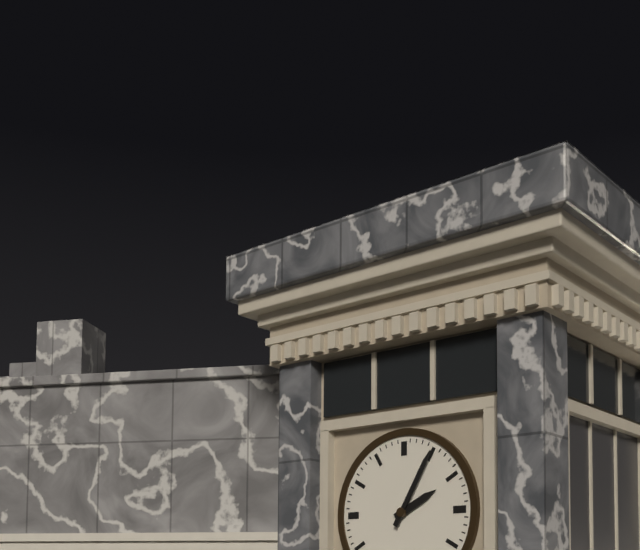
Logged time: h=2 m=5
